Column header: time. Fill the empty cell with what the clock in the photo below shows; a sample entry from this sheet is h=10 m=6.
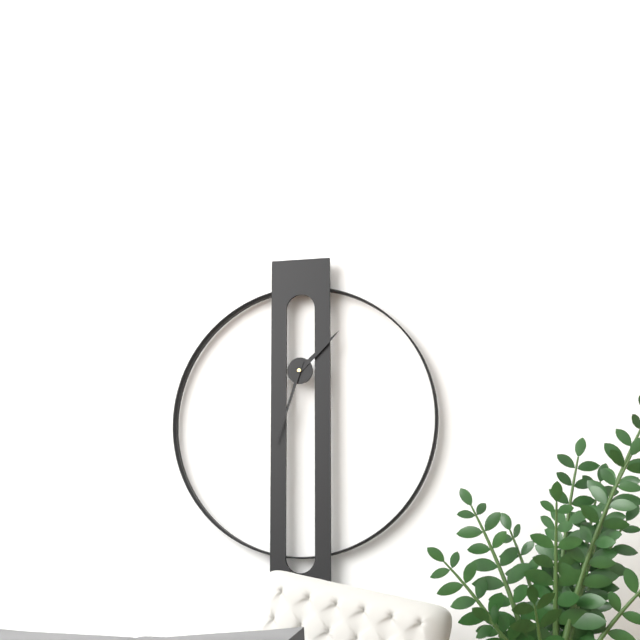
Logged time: h=1 m=33
